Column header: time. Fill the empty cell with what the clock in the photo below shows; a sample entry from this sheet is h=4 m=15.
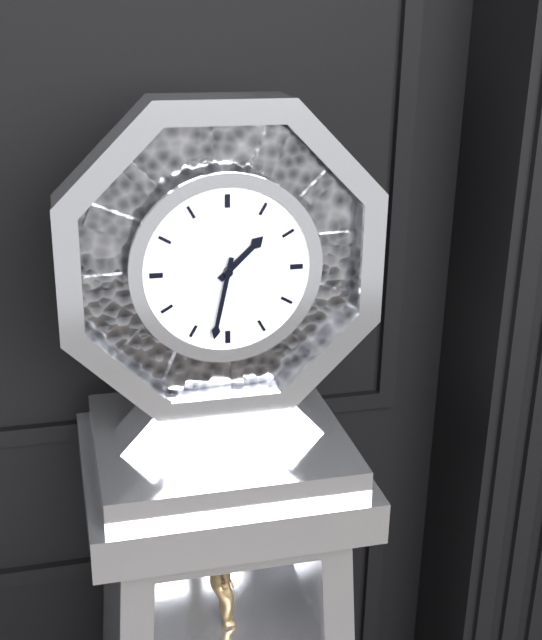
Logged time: h=1 m=32
